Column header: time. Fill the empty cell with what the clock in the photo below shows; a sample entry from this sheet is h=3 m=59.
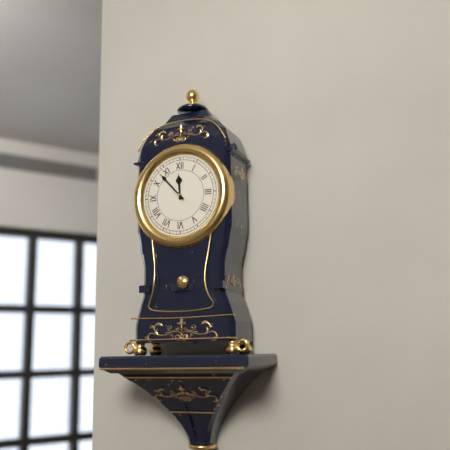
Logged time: h=11 m=53
